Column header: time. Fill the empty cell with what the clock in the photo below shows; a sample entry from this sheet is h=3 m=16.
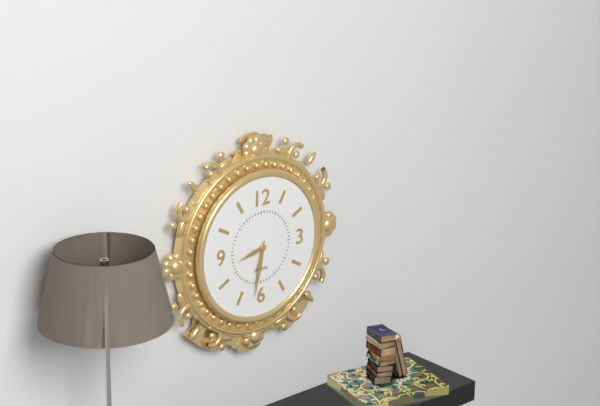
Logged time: h=8 m=32
